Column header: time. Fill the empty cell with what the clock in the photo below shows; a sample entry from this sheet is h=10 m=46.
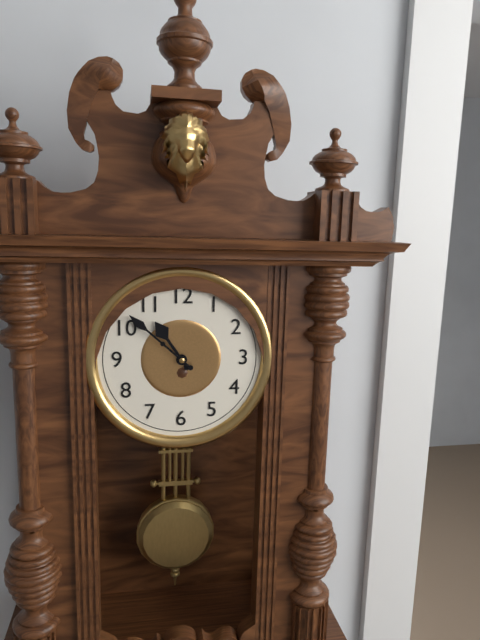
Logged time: h=10 m=52
